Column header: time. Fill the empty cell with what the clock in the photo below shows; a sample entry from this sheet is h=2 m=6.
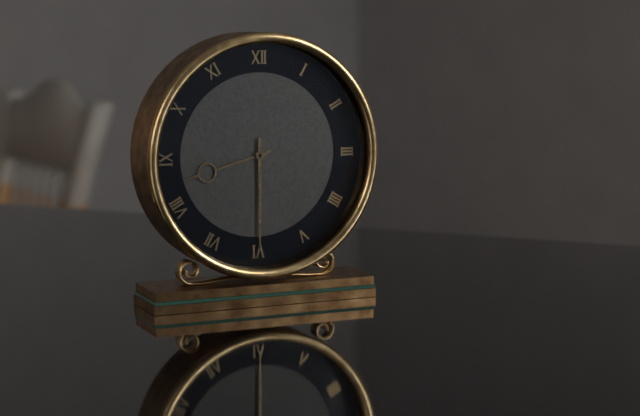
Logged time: h=8 m=30
